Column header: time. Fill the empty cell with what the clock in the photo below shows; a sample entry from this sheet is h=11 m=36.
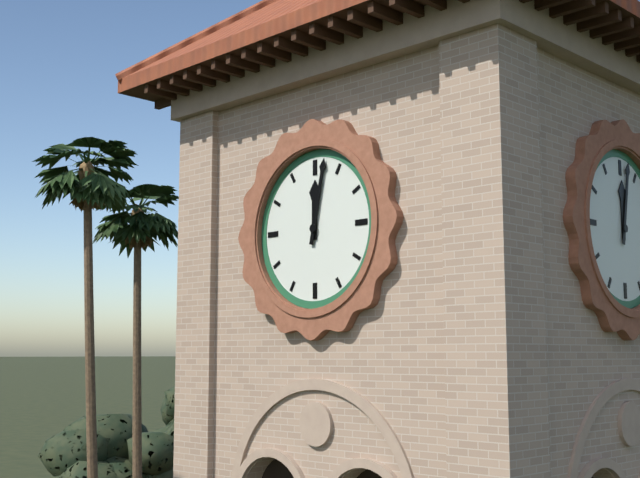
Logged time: h=12 m=2
